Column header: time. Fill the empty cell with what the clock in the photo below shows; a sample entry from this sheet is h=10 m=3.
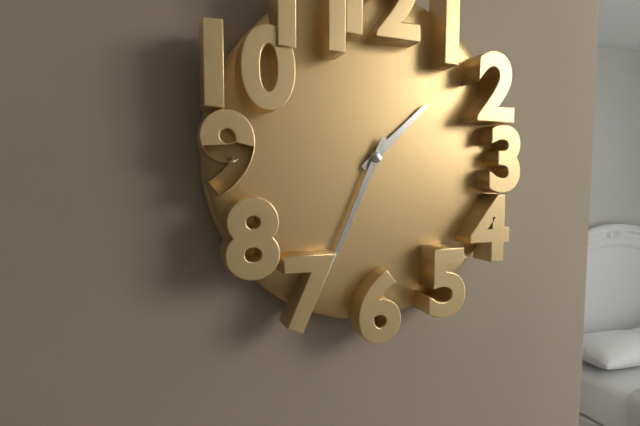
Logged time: h=1 m=34
